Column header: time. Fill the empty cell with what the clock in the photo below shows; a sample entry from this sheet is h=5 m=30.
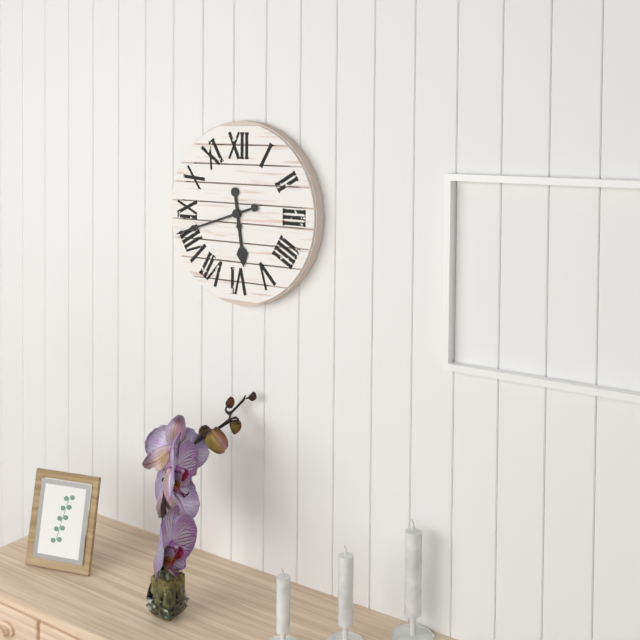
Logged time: h=5 m=42
